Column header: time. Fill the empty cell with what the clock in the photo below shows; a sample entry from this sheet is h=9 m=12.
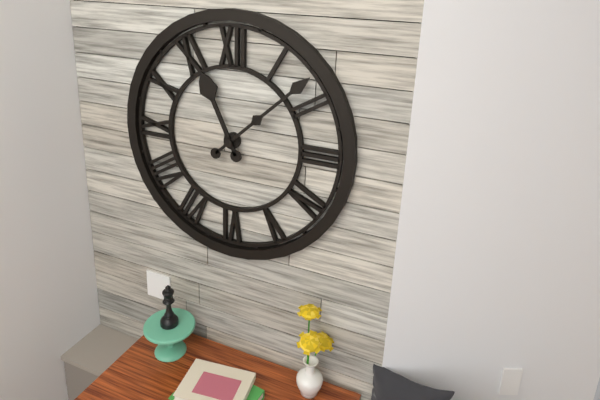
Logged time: h=11 m=8
